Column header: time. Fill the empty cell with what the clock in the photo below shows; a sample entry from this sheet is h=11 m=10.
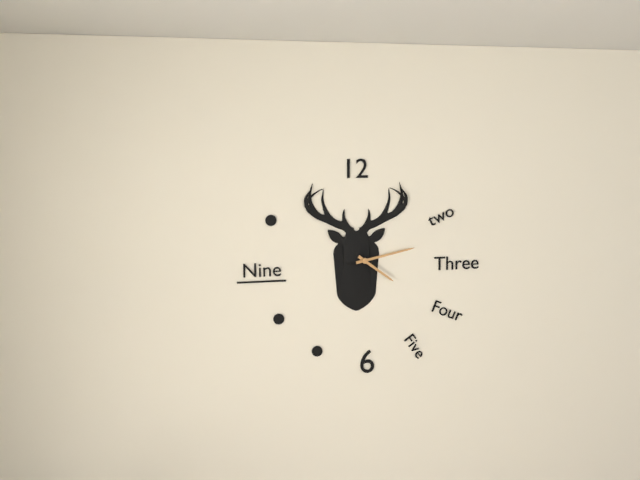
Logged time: h=4 m=13
